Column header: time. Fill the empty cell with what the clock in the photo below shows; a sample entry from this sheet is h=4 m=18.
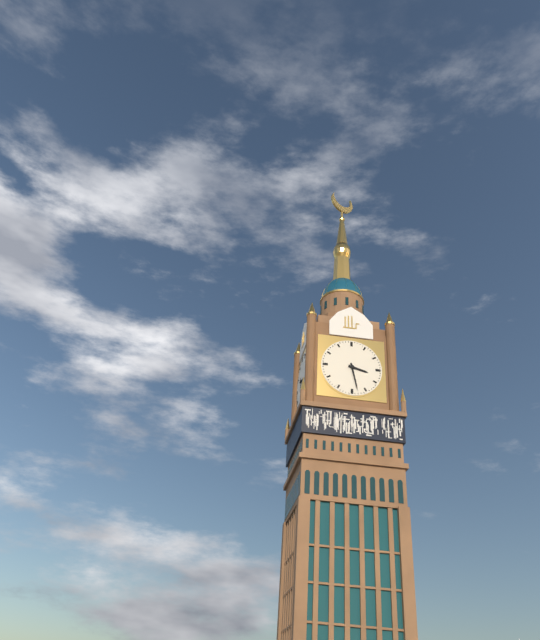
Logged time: h=3 m=28
